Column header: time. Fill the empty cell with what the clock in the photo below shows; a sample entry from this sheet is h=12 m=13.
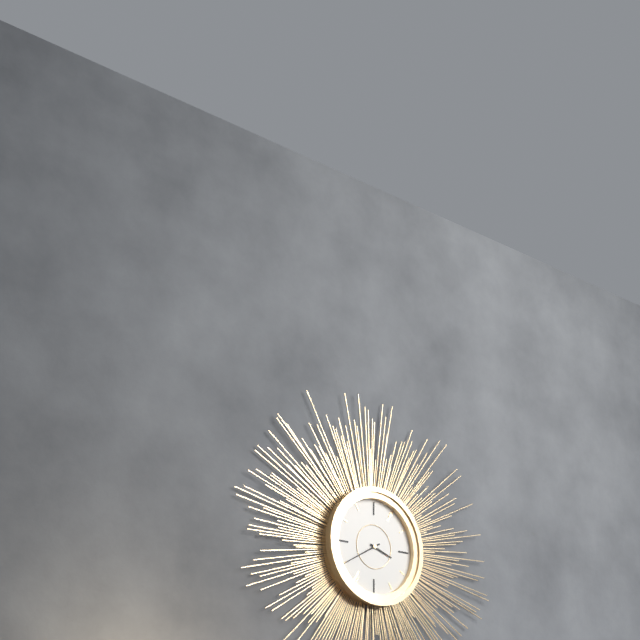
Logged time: h=3 m=40
